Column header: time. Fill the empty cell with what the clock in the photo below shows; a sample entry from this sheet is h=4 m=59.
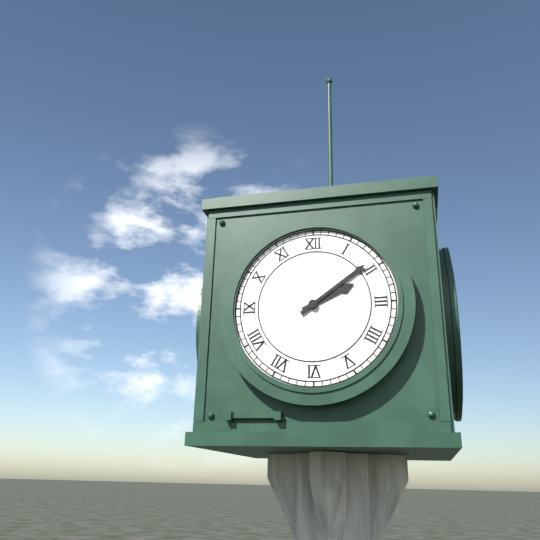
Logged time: h=2 m=9
